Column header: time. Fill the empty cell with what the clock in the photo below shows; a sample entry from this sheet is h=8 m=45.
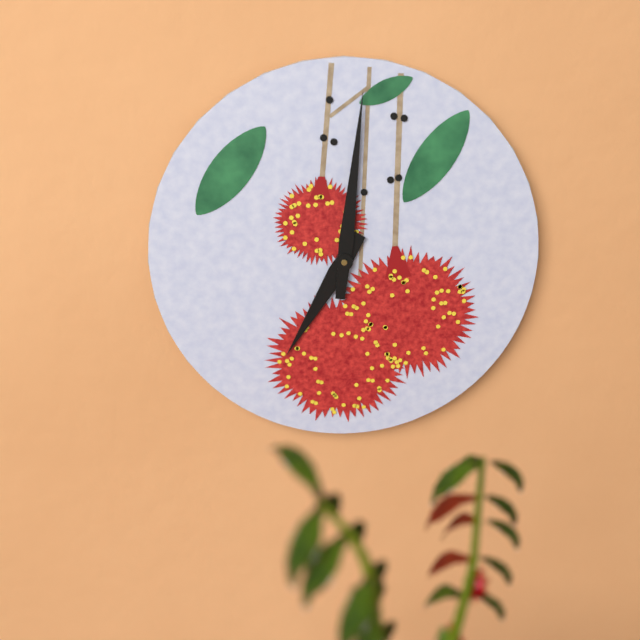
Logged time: h=7 m=1
